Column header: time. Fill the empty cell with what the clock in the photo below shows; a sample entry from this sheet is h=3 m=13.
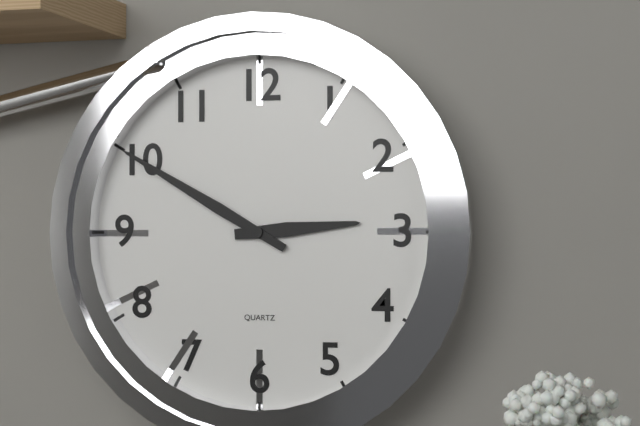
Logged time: h=2 m=50
